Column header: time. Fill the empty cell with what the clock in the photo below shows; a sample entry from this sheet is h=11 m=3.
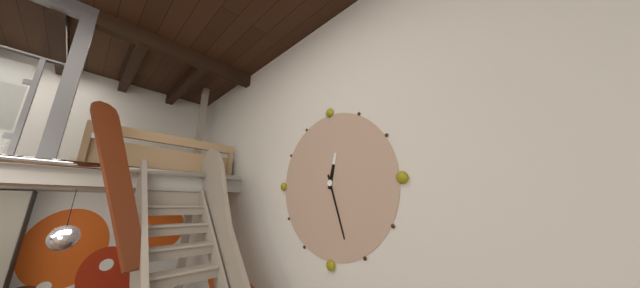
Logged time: h=12 m=27
